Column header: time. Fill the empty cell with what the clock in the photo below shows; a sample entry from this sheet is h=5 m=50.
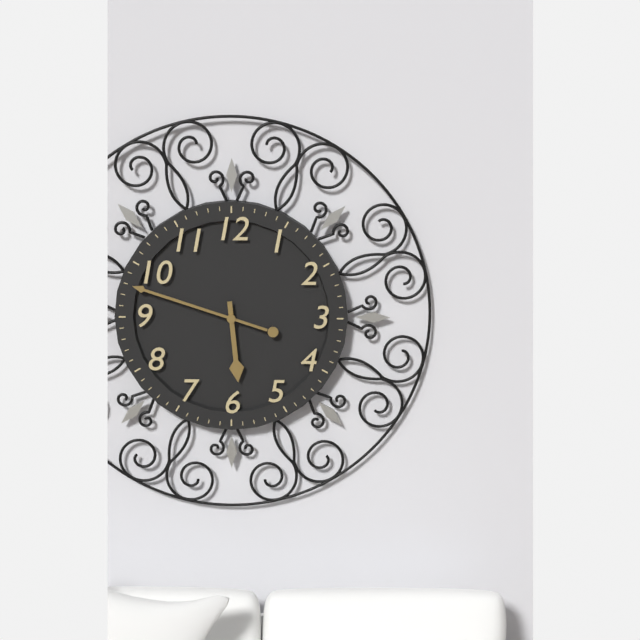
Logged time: h=5 m=48
